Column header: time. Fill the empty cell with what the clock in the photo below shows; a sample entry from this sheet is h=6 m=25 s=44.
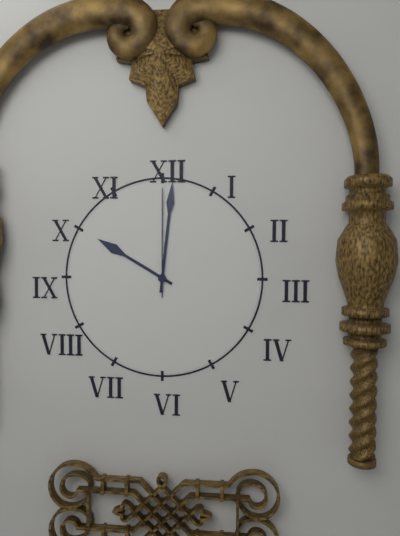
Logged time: h=10 m=1 s=0
